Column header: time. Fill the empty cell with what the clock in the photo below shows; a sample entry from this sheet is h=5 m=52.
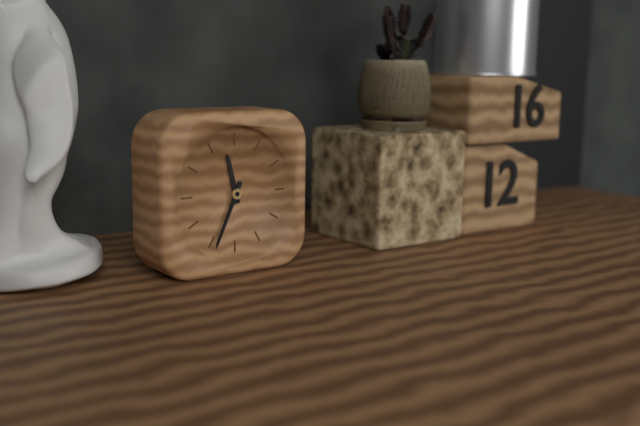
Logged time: h=11 m=34
